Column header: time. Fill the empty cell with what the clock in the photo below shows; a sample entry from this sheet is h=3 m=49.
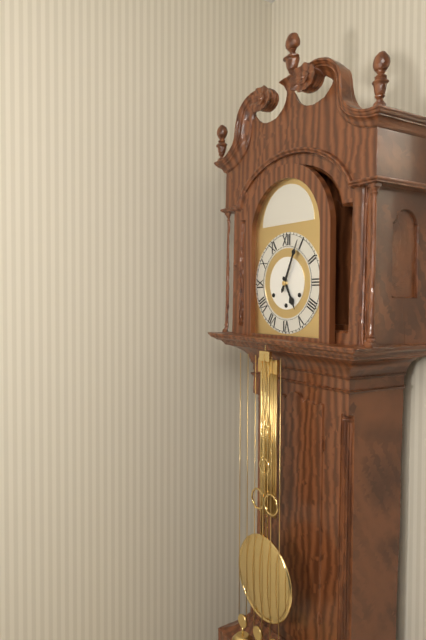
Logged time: h=5 m=4
